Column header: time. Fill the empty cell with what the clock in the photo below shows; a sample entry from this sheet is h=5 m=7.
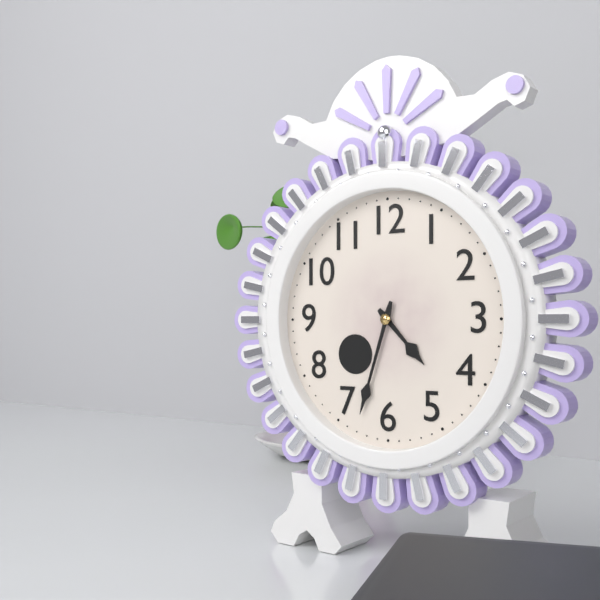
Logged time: h=4 m=33
